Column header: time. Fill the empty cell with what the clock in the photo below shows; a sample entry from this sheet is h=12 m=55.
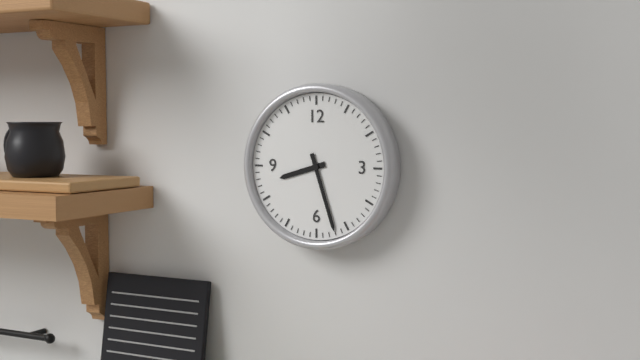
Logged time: h=8 m=27
